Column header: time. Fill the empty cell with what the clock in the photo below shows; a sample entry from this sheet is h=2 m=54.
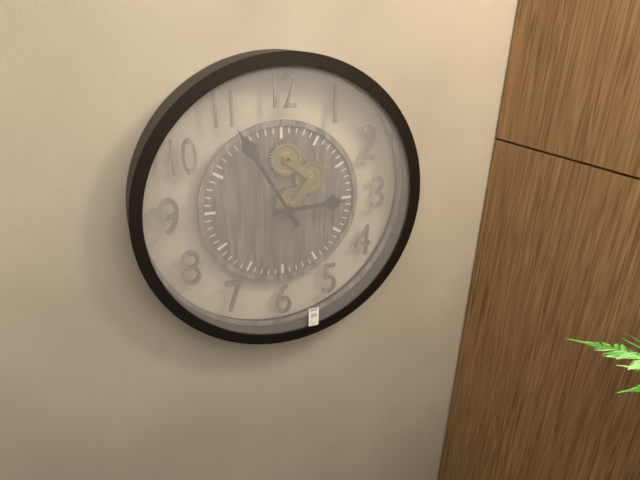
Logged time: h=2 m=55
